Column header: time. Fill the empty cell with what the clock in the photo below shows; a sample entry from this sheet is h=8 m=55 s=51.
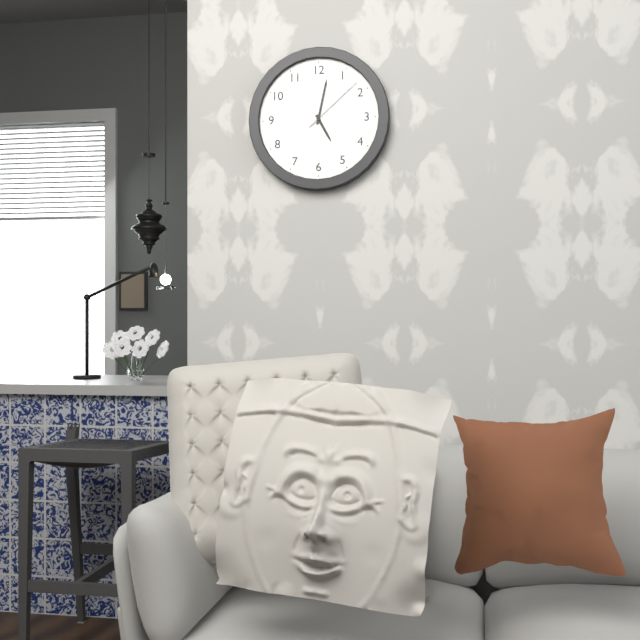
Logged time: h=5 m=2 s=8
